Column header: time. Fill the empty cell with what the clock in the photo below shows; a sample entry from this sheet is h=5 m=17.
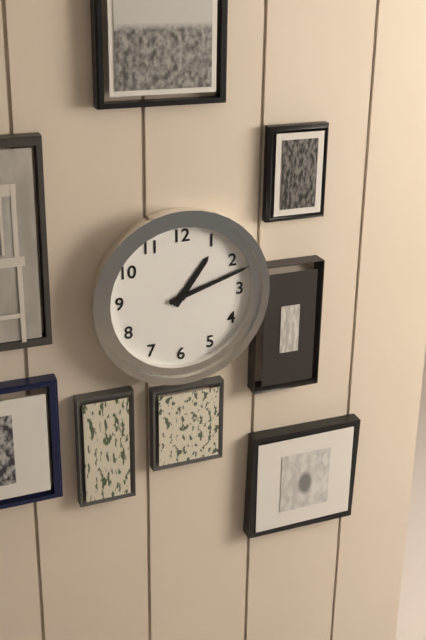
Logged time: h=1 m=12
